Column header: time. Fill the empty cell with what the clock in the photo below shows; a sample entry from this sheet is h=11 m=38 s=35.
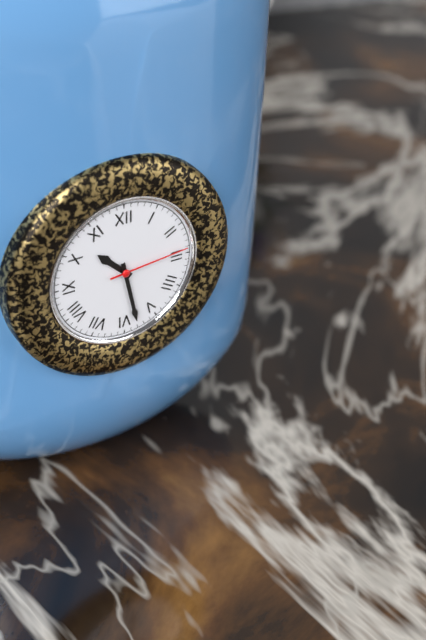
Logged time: h=10 m=28 s=14
